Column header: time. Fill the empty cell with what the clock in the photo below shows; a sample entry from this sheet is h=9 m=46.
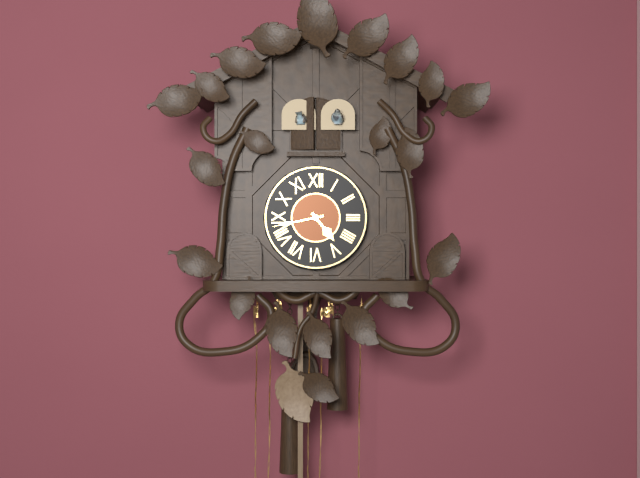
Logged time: h=4 m=43
